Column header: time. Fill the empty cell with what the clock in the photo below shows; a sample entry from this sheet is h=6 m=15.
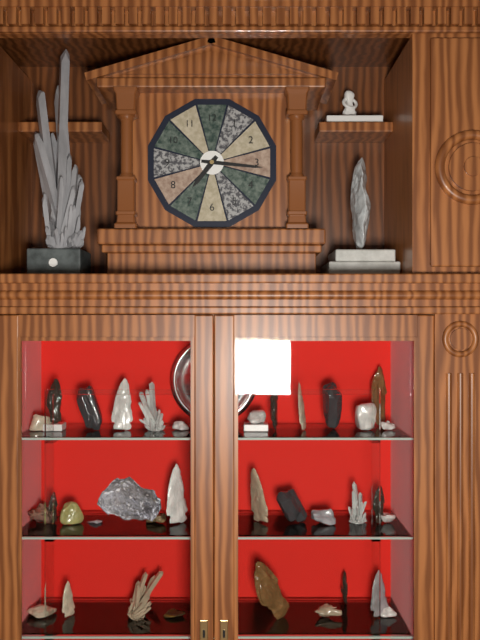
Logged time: h=7 m=16
